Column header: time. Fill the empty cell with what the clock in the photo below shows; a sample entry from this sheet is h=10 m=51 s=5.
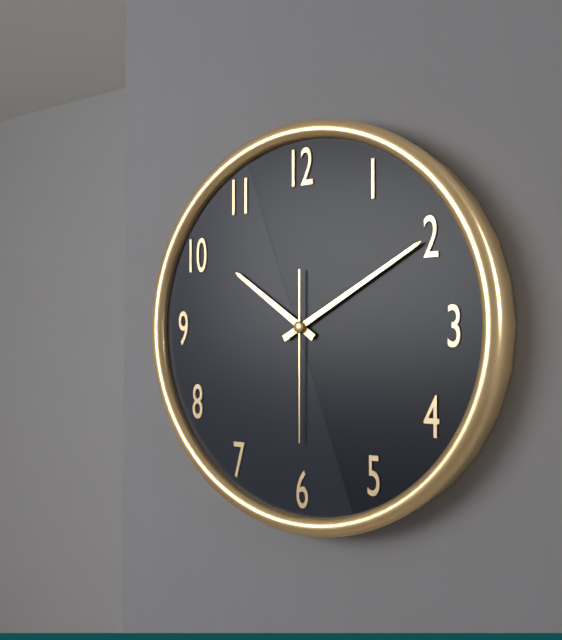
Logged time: h=10 m=10 s=30
